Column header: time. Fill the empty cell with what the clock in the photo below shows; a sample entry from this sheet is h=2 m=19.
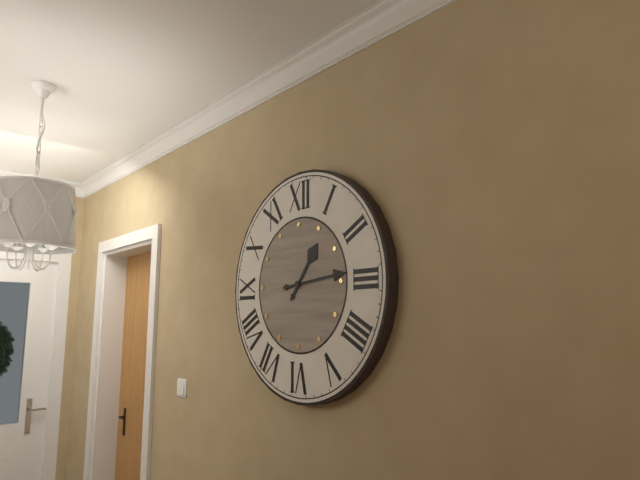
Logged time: h=1 m=14
